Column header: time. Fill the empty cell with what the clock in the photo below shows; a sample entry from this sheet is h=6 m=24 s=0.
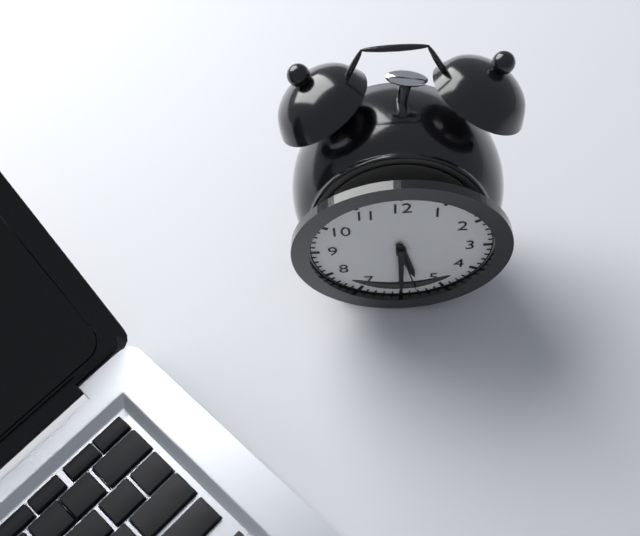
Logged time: h=5 m=30 s=28
